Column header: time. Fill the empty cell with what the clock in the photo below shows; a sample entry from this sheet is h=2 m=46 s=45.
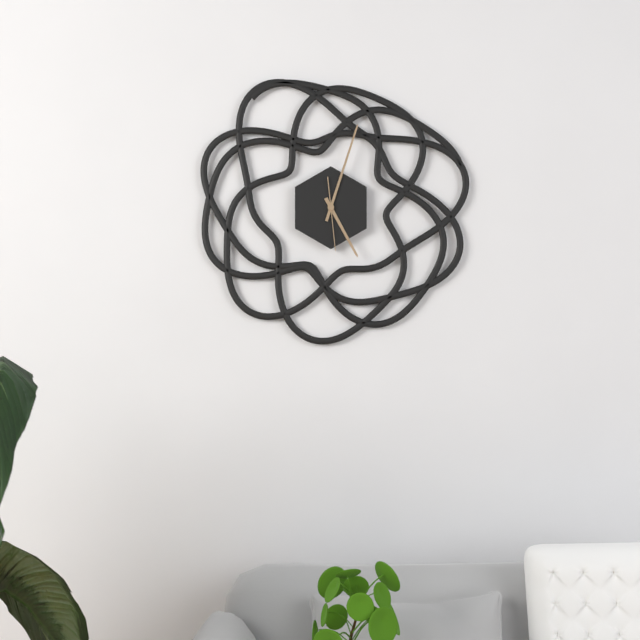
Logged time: h=5 m=3 s=29
